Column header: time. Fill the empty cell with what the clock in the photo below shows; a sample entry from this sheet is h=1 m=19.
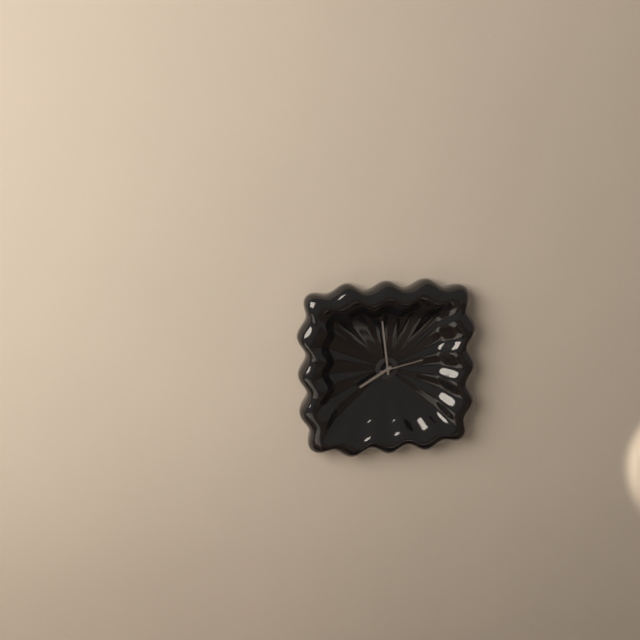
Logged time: h=7 m=59
